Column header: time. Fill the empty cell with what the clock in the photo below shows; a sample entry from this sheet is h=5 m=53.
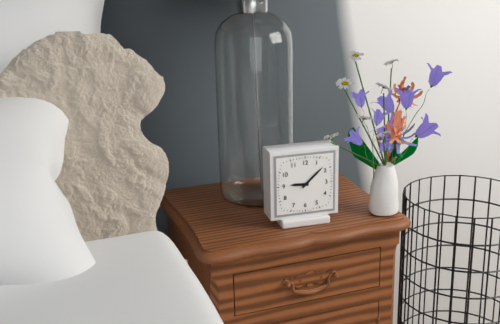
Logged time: h=9 m=8
